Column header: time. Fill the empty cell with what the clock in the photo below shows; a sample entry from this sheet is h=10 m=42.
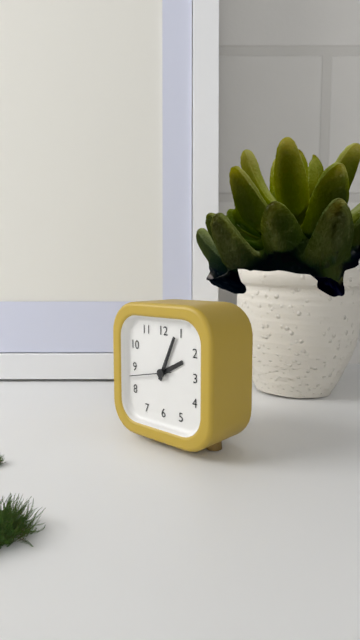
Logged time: h=2 m=4
